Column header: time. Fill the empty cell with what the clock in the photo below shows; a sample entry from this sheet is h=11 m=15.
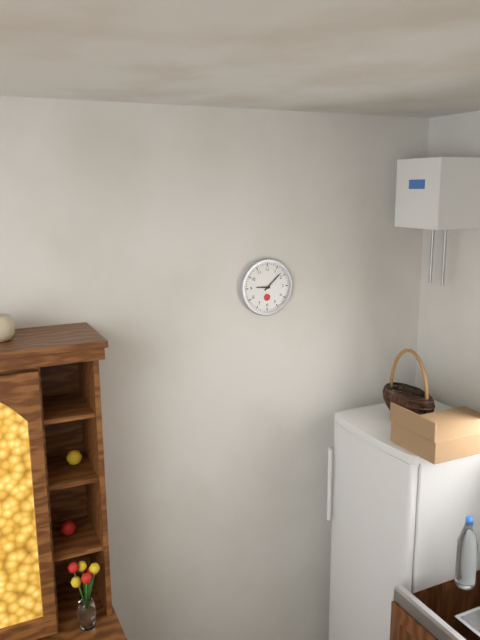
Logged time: h=9 m=8
